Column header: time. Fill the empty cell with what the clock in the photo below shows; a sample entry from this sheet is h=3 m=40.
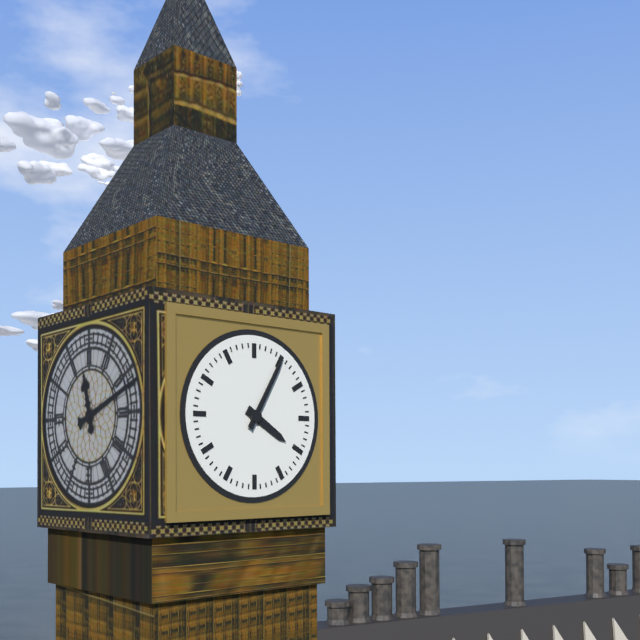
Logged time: h=4 m=5
